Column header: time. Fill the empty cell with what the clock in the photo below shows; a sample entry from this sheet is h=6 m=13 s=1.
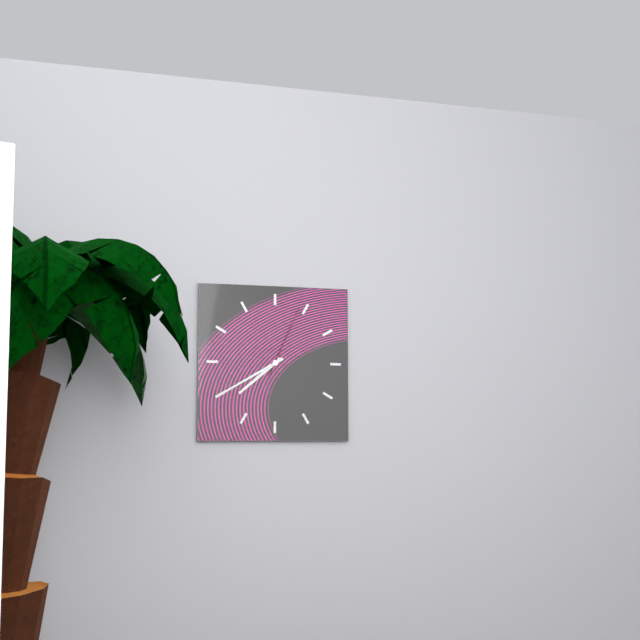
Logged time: h=7 m=40 s=4
